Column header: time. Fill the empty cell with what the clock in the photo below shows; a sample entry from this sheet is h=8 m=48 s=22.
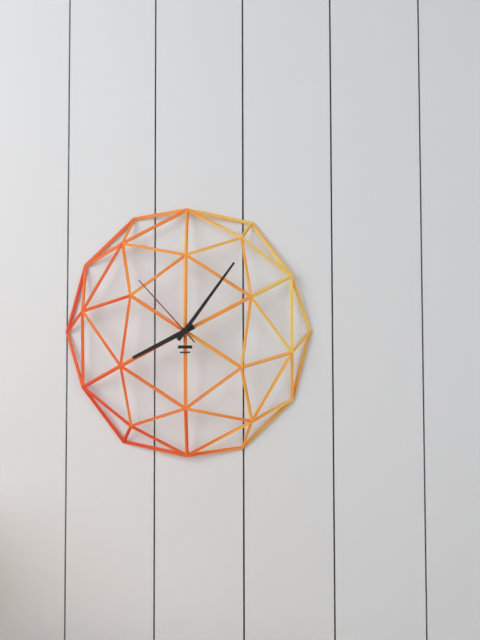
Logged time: h=8 m=6 s=53
